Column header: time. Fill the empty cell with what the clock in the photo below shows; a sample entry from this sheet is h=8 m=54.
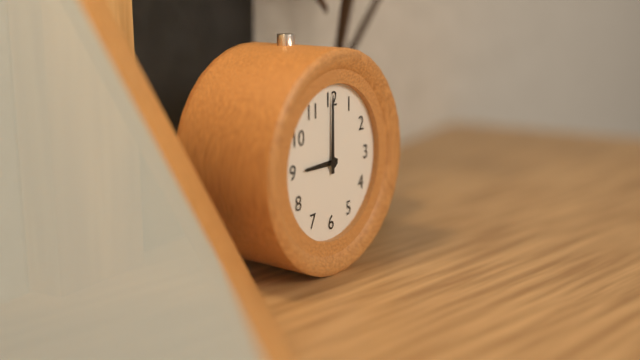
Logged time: h=9 m=0
